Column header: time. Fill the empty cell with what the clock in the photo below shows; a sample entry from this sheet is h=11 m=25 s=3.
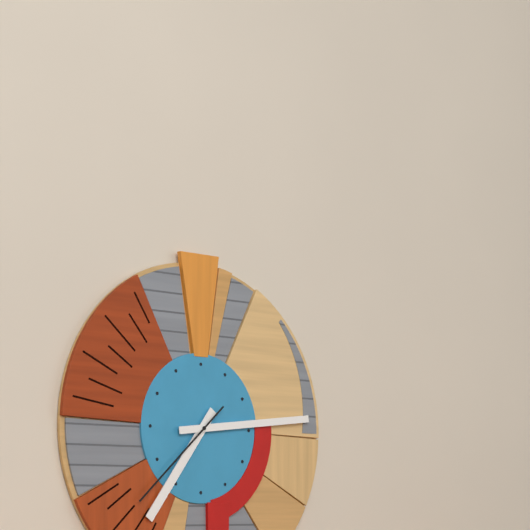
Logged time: h=7 m=14 s=38
